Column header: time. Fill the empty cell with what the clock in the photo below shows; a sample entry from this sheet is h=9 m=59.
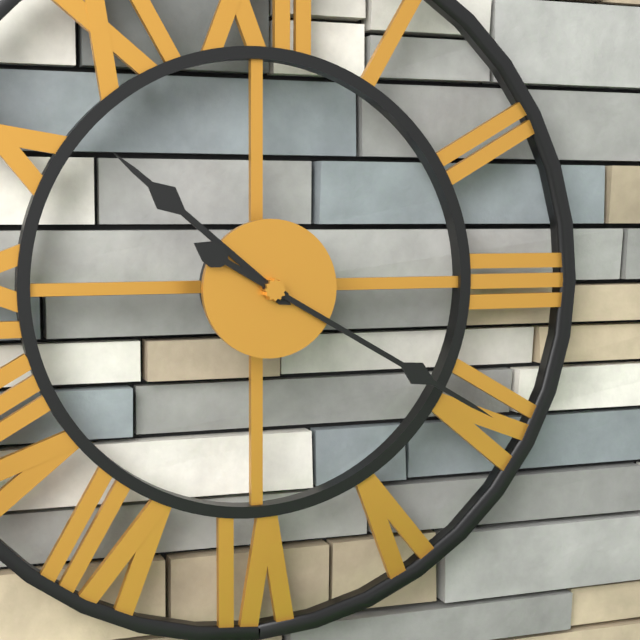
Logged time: h=10 m=20
